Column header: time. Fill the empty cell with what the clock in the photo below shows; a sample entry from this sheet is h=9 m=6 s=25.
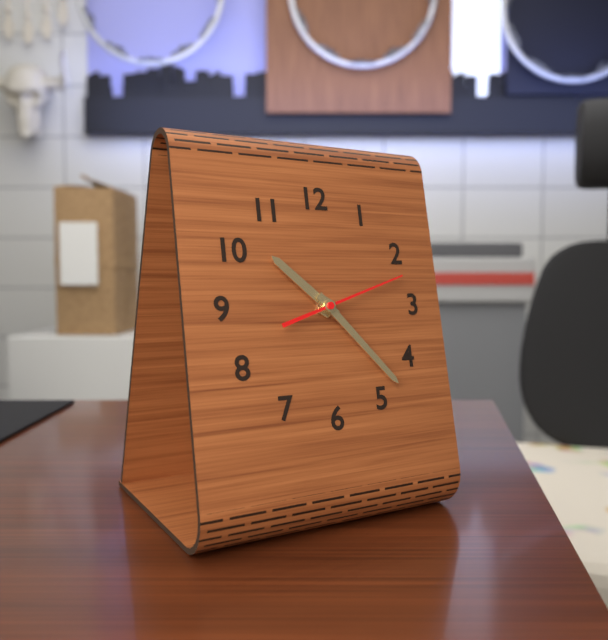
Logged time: h=10 m=23 s=12
